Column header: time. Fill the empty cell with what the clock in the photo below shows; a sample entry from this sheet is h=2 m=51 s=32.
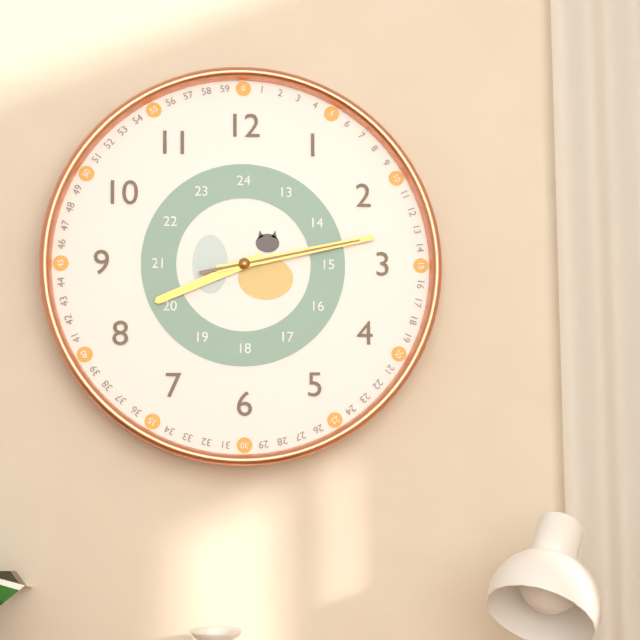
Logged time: h=8 m=13 s=13
